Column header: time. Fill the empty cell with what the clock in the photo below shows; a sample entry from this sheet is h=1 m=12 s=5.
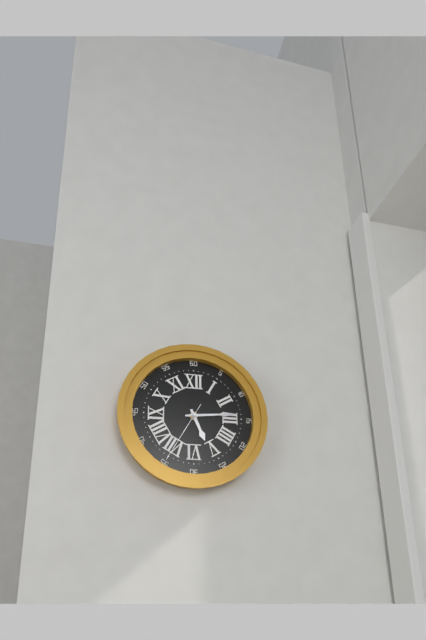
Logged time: h=5 m=14 s=35
